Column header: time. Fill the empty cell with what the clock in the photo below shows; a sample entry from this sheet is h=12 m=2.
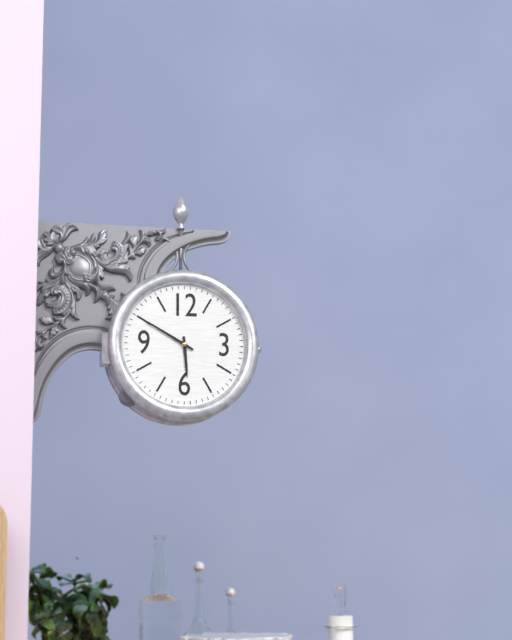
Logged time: h=5 m=50
